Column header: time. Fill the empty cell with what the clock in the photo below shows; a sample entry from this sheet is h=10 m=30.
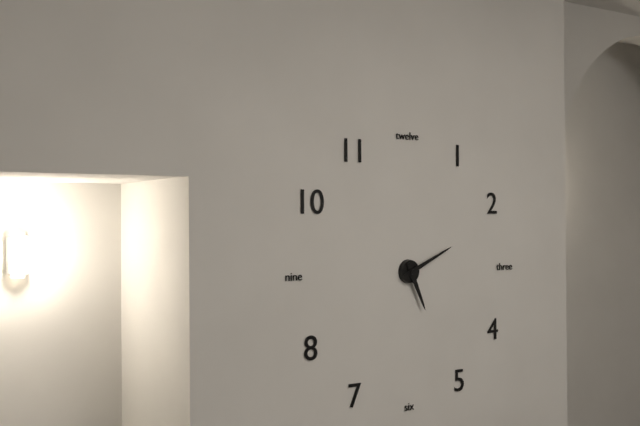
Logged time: h=5 m=11
